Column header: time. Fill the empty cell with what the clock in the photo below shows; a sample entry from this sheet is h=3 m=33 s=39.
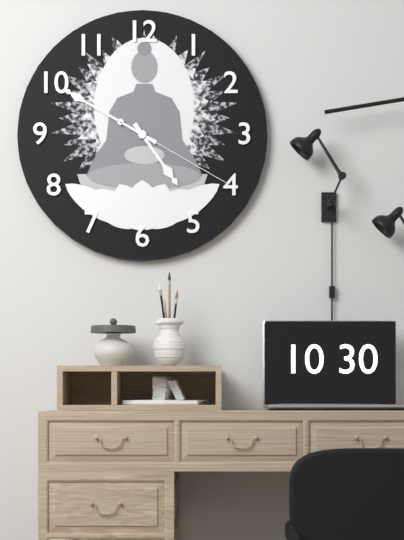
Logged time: h=4 m=50 s=20
